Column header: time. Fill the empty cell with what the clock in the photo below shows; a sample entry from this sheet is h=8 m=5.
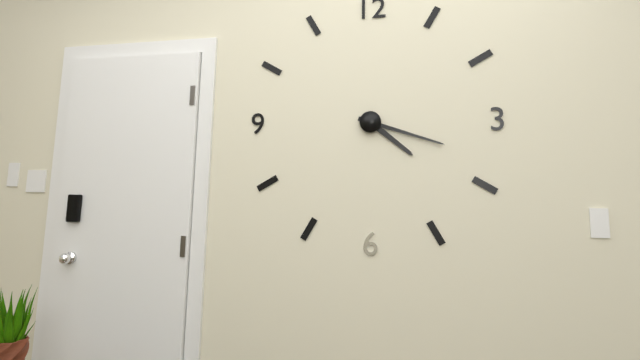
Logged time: h=4 m=18
